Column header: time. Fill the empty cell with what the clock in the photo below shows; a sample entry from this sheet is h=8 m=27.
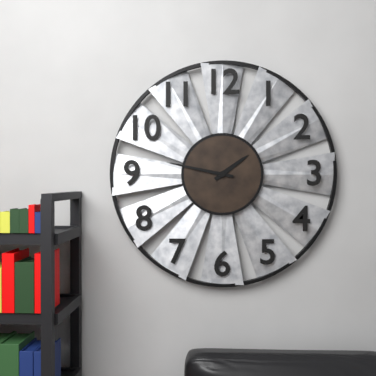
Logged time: h=1 m=47
